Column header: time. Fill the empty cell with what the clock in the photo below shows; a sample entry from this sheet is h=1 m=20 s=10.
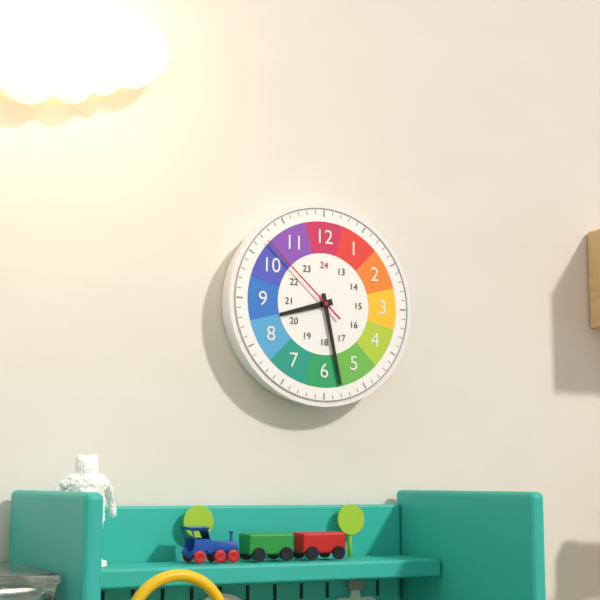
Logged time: h=8 m=28 s=52
